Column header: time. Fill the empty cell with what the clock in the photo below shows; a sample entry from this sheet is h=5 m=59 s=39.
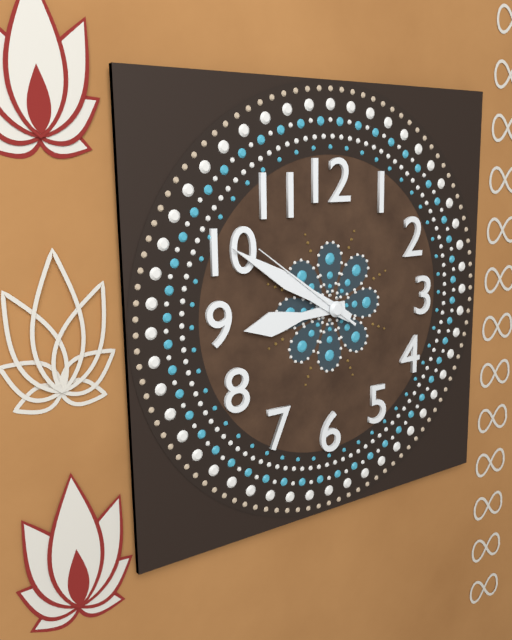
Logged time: h=8 m=50 s=51
